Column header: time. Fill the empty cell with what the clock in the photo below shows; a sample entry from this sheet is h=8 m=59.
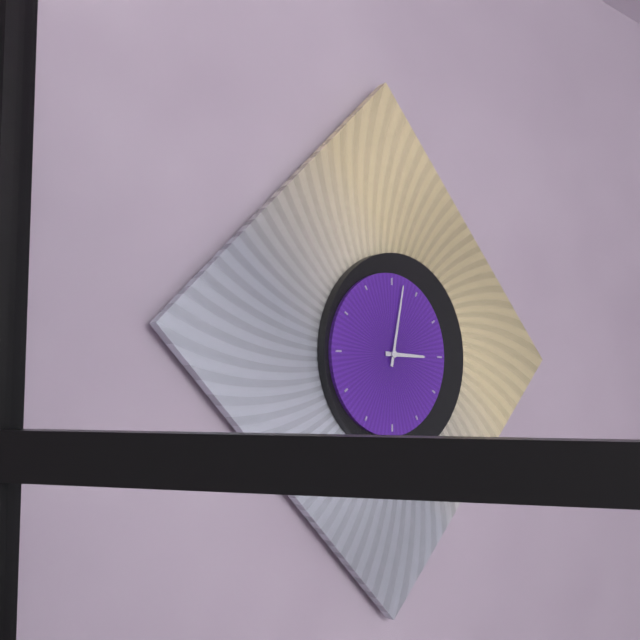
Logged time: h=3 m=2
